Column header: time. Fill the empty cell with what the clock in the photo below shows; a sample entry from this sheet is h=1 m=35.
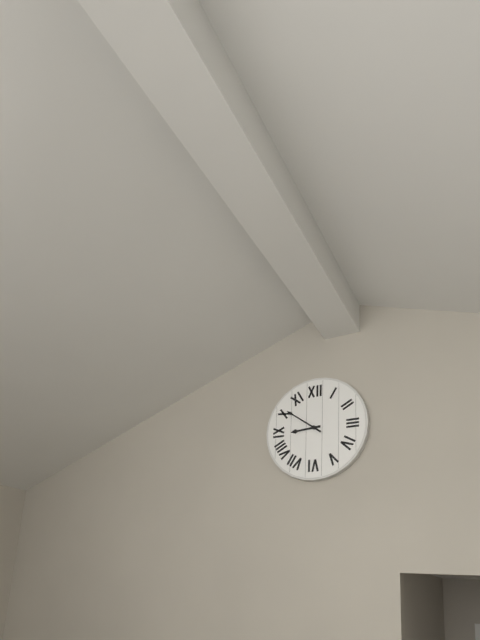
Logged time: h=8 m=51
